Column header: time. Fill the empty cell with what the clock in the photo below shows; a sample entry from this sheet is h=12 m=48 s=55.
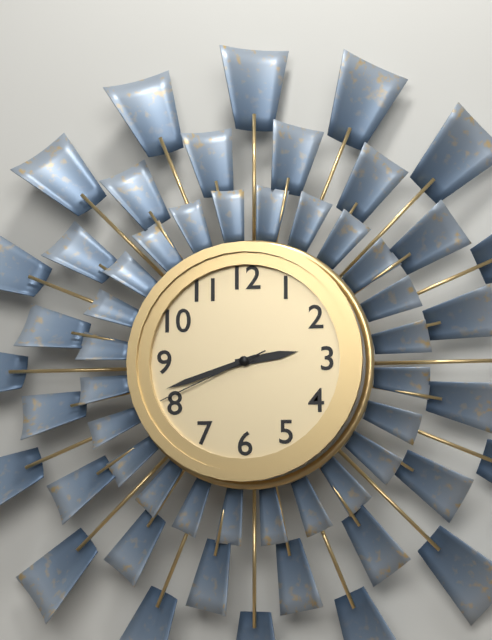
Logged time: h=2 m=42 s=41
